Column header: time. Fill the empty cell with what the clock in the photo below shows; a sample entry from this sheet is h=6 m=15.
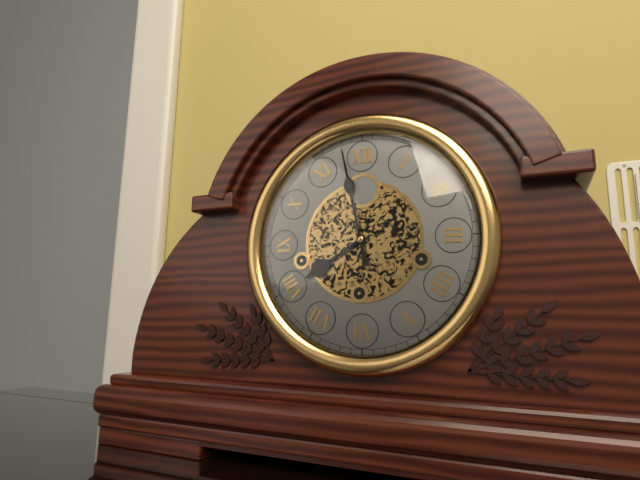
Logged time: h=7 m=58
